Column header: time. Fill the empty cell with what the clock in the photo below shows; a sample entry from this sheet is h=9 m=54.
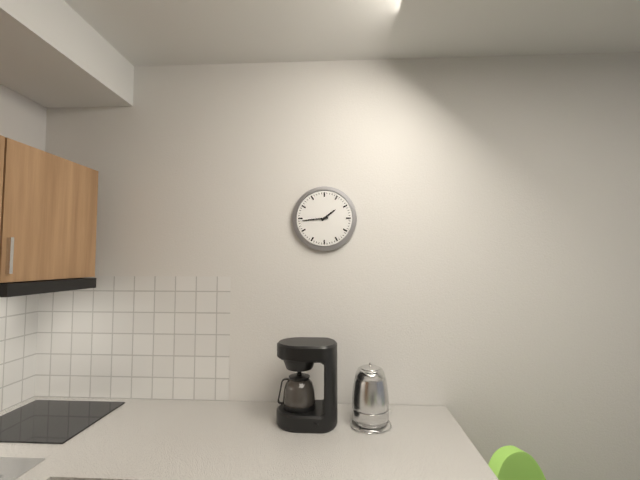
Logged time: h=1 m=44
